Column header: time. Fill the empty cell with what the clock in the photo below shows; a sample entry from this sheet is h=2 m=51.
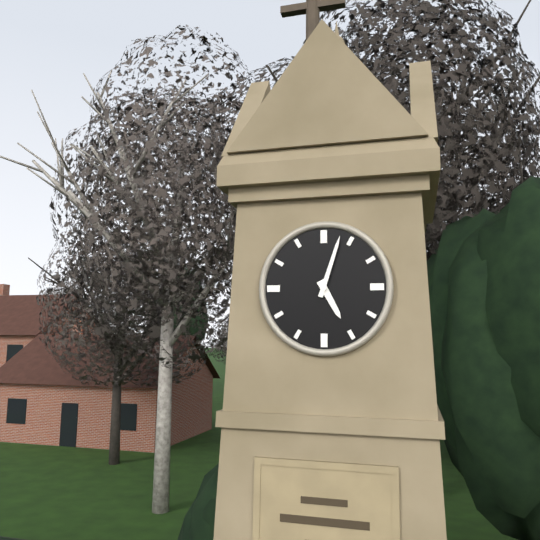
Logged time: h=5 m=3
